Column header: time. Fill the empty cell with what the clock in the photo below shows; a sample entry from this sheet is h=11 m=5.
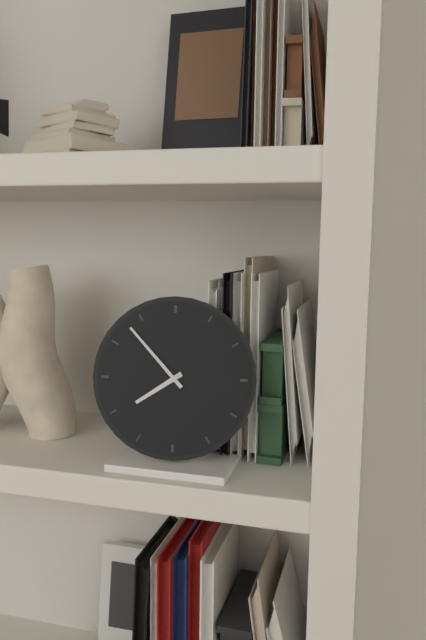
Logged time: h=7 m=53
